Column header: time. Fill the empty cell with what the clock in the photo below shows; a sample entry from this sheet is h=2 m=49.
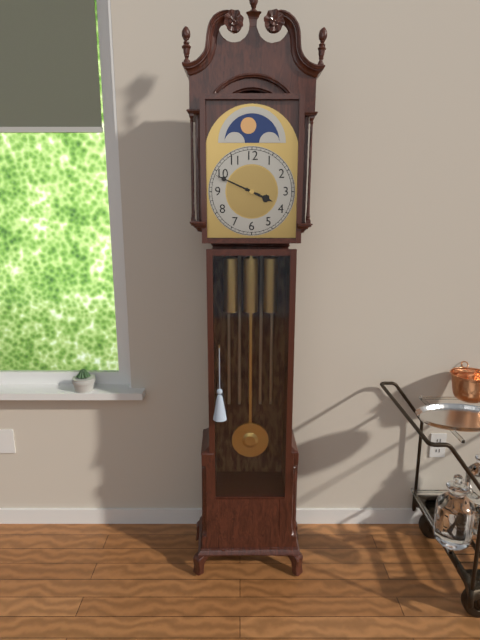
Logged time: h=3 m=49
